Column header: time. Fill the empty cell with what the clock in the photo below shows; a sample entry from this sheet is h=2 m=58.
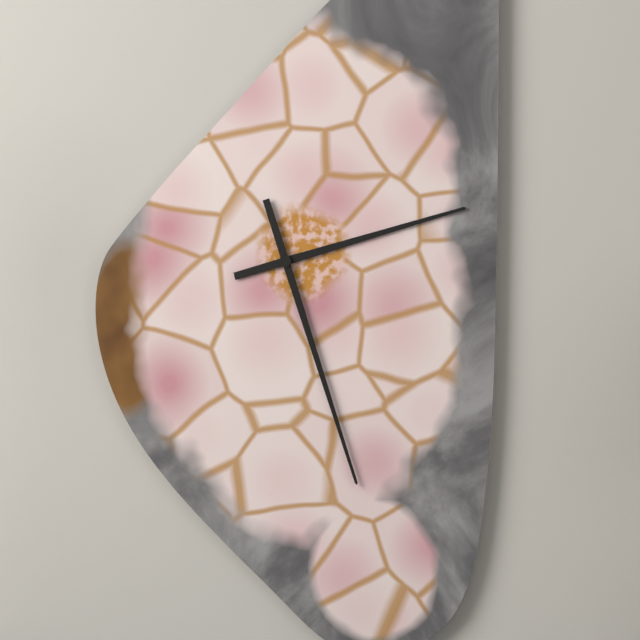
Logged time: h=2 m=27
